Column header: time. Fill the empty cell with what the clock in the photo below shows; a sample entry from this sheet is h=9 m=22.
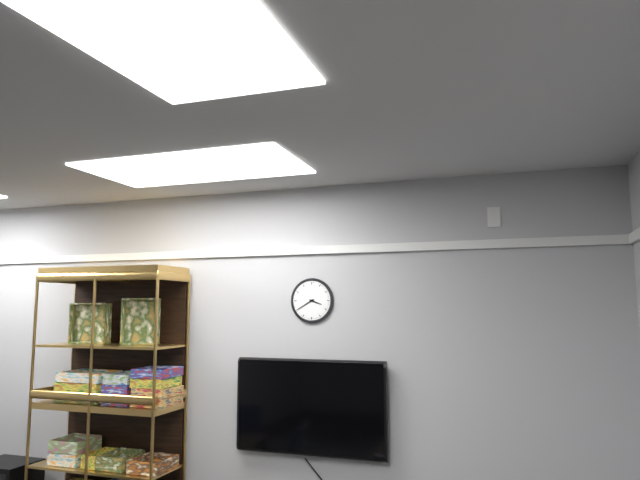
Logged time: h=3 m=40
